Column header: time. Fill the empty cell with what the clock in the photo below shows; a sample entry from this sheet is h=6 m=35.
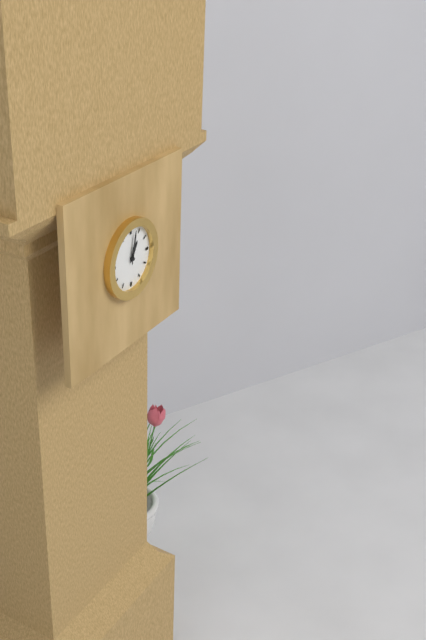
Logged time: h=1 m=2
